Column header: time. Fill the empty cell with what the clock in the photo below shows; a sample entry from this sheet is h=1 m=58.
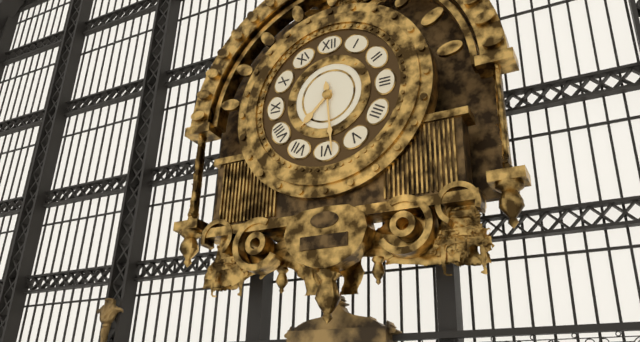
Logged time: h=7 m=29
